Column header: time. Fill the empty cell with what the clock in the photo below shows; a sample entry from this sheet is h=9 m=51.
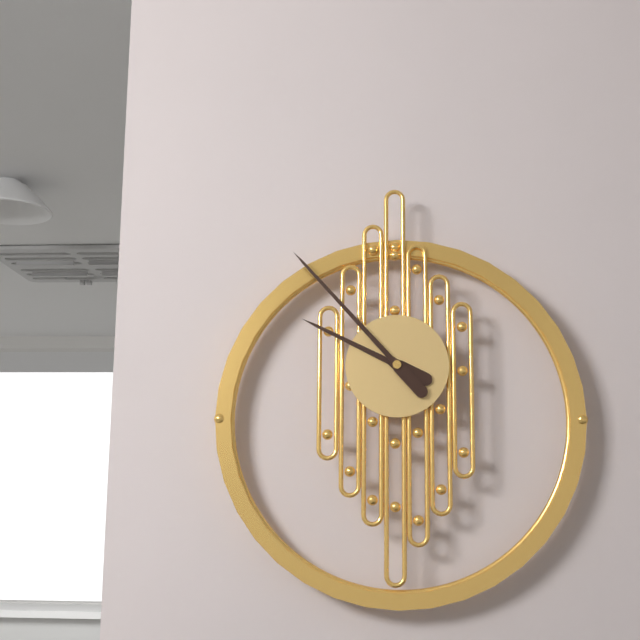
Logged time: h=9 m=53
